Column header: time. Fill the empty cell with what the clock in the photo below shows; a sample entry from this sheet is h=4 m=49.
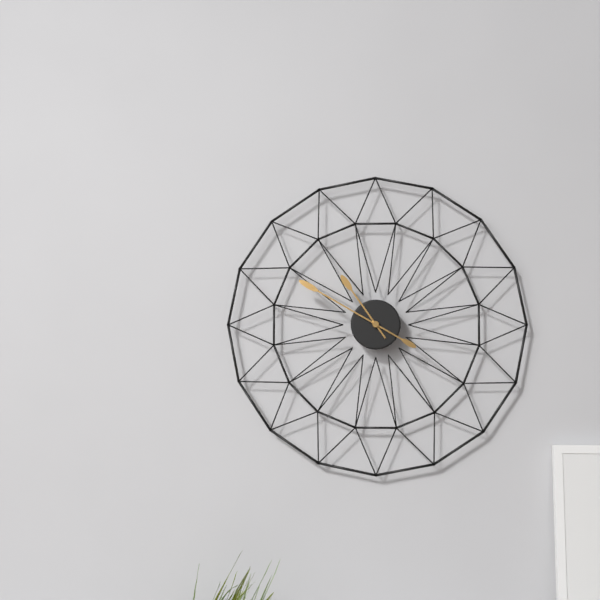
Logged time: h=10 m=50
